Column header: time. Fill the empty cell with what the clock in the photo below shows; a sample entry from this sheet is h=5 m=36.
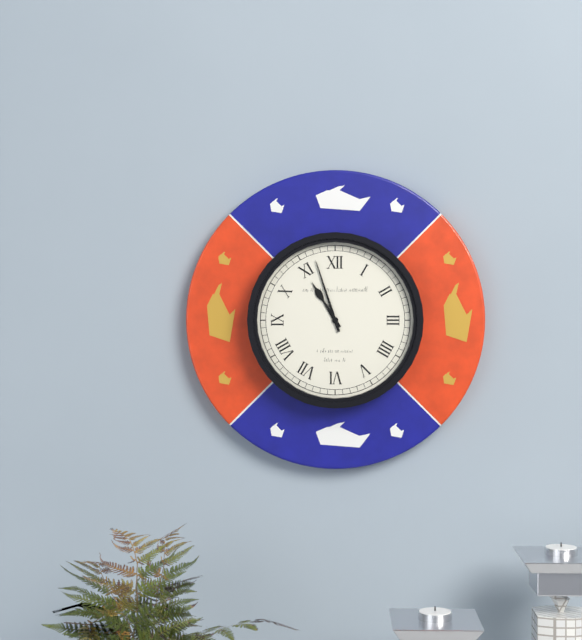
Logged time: h=10 m=57
